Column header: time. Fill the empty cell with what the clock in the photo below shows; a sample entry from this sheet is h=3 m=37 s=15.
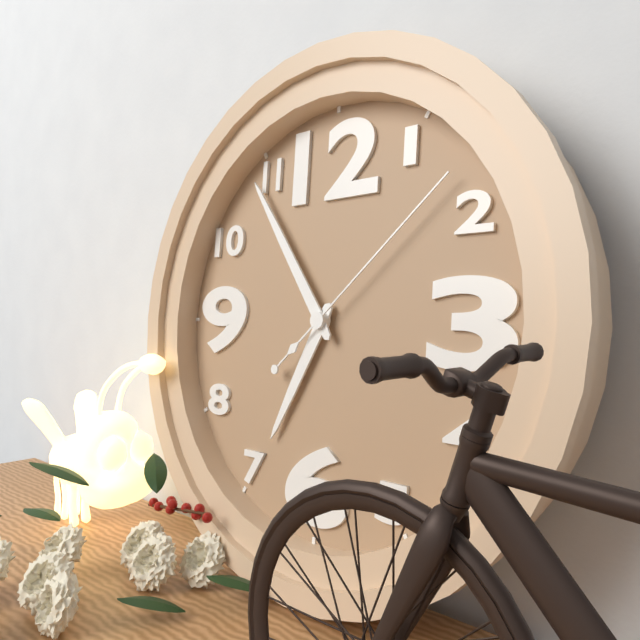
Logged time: h=6 m=54 s=8
